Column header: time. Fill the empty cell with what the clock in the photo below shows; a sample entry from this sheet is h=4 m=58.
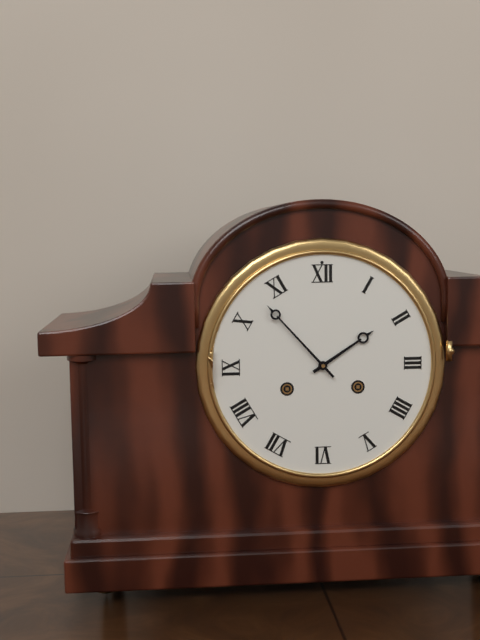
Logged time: h=1 m=53
